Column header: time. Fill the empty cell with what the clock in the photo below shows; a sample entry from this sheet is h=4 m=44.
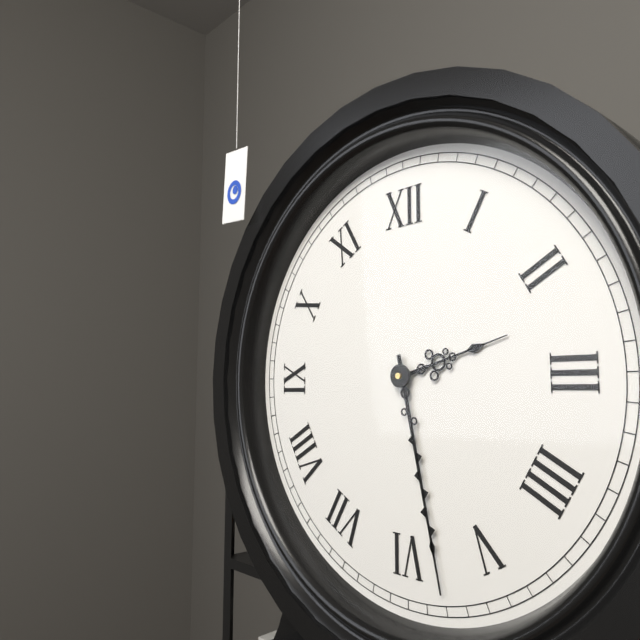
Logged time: h=2 m=28
